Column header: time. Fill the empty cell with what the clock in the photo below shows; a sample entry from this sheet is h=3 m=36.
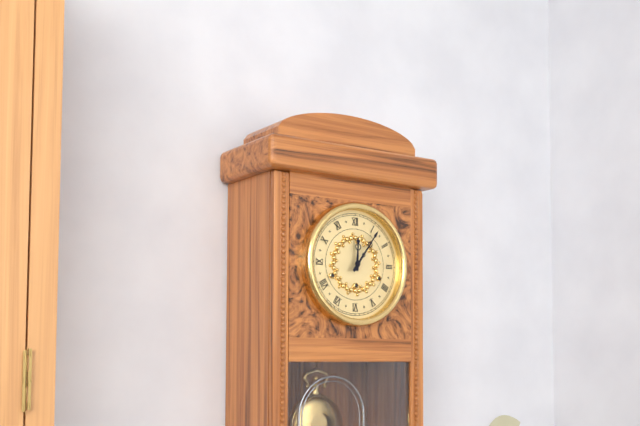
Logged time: h=12 m=6
